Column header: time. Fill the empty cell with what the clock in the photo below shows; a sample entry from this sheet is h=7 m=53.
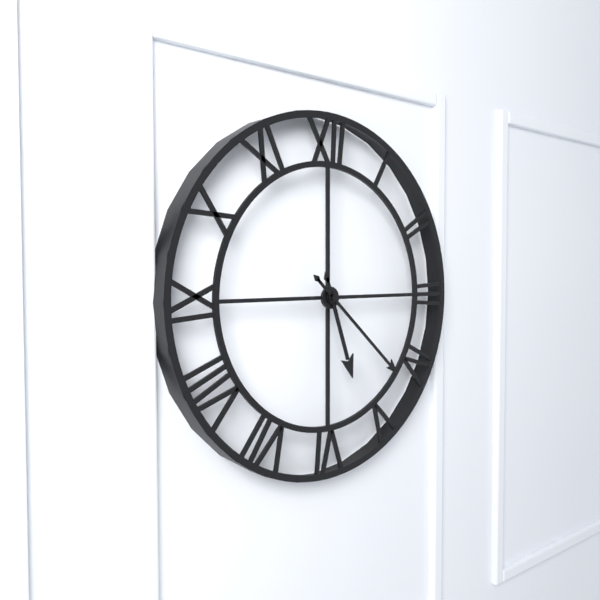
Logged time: h=5 m=22
